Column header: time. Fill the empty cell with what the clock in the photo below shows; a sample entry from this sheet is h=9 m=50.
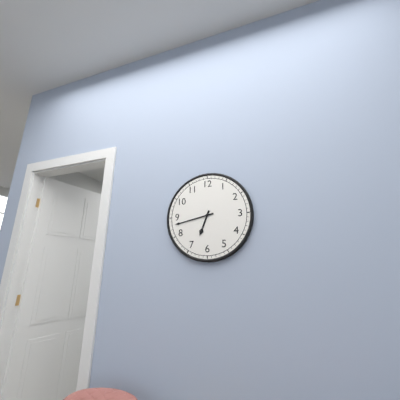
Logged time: h=6 m=43
